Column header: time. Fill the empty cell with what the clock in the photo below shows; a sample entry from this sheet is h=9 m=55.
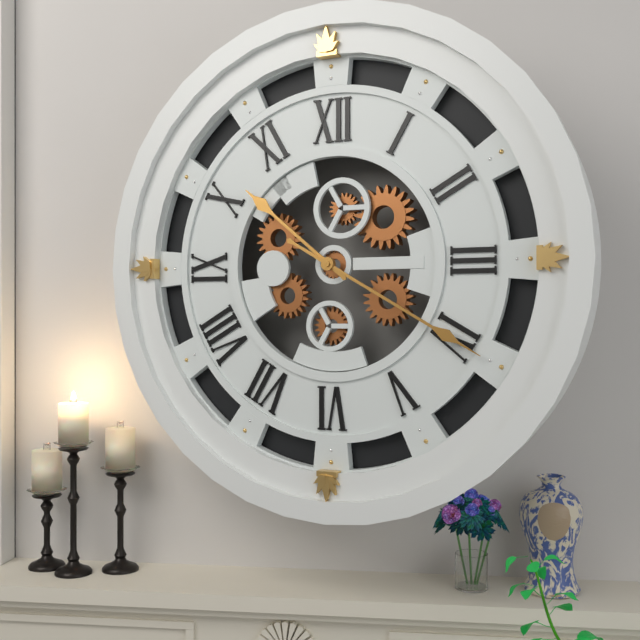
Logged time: h=10 m=20
